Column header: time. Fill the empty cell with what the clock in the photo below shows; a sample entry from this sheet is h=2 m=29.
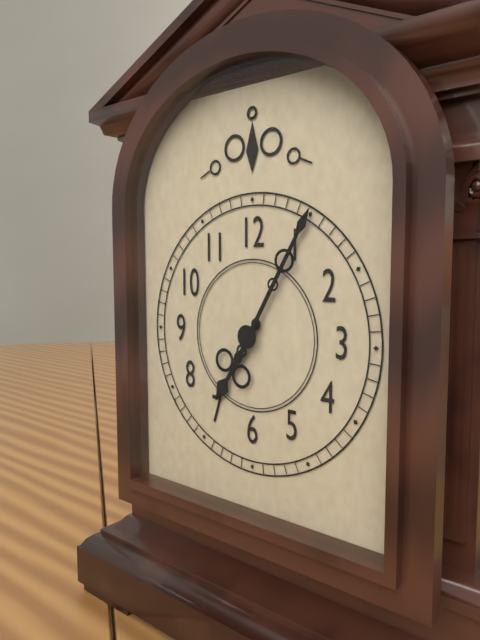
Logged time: h=7 m=5
